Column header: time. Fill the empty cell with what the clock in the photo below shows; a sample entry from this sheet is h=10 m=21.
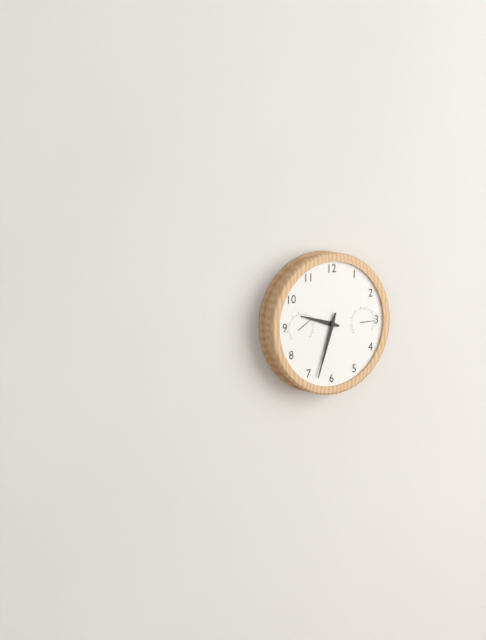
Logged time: h=9 m=33
